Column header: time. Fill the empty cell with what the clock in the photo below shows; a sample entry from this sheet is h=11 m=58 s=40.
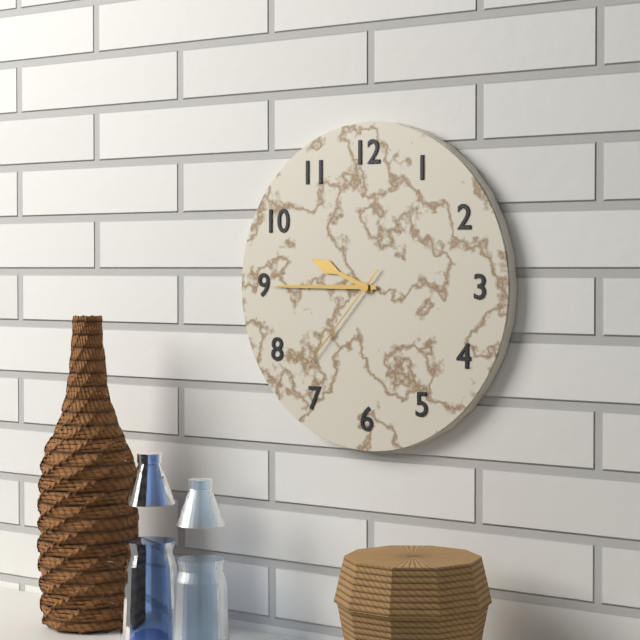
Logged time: h=9 m=45 s=37
